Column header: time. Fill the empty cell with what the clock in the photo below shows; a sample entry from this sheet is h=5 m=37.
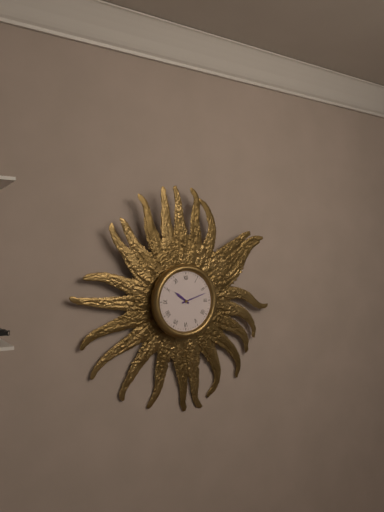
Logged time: h=10 m=12
